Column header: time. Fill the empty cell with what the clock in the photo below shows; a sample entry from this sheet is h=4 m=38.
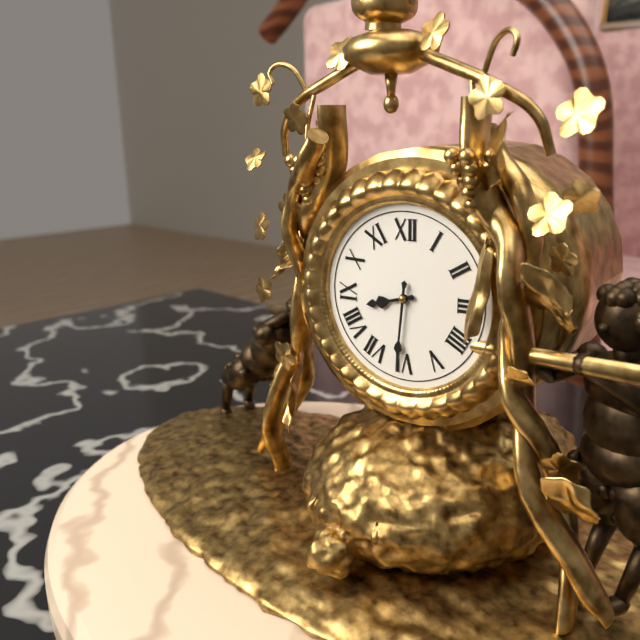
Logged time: h=8 m=31
